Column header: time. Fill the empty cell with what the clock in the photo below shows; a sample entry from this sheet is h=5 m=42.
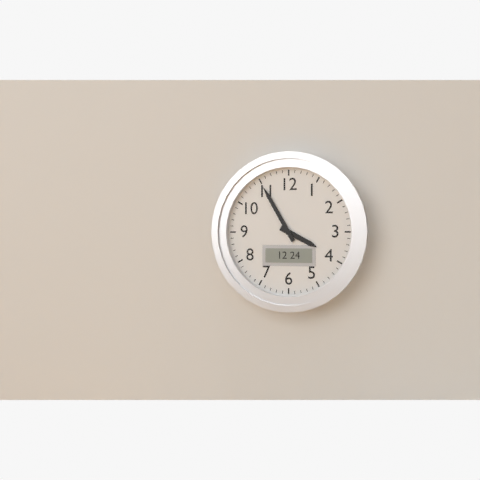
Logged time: h=3 m=55
